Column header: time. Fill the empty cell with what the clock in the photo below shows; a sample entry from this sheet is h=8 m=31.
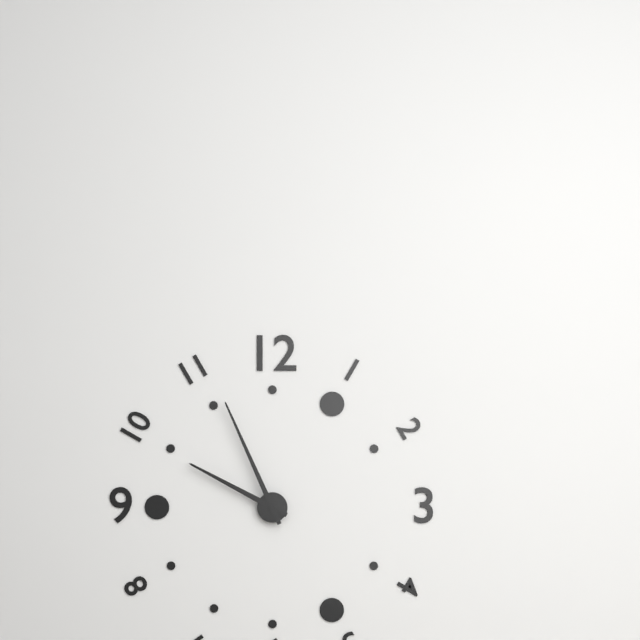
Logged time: h=9 m=56
